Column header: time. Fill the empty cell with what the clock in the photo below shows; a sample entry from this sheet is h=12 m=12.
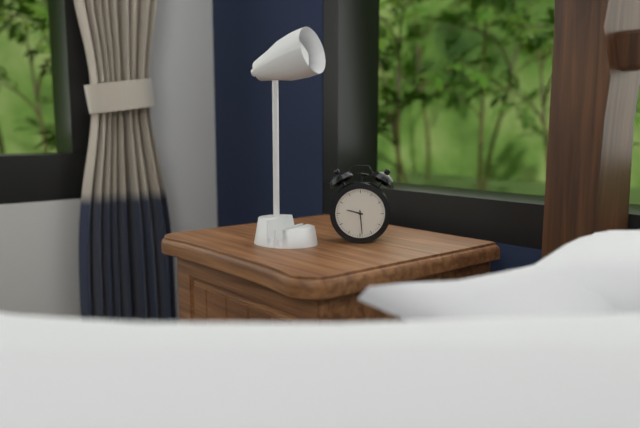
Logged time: h=9 m=29
